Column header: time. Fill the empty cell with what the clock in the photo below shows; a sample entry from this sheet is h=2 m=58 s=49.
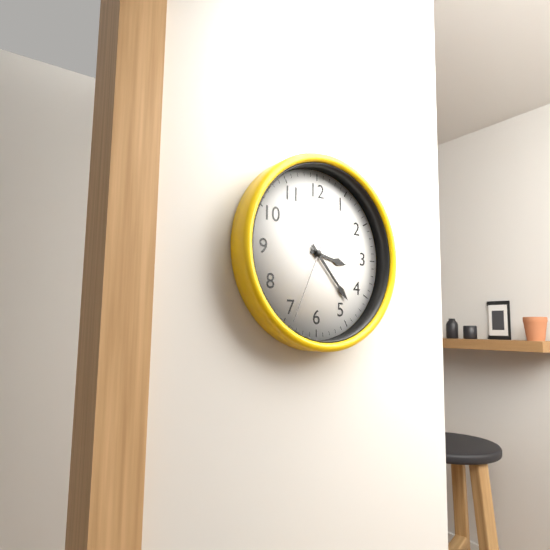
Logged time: h=3 m=23 s=34
